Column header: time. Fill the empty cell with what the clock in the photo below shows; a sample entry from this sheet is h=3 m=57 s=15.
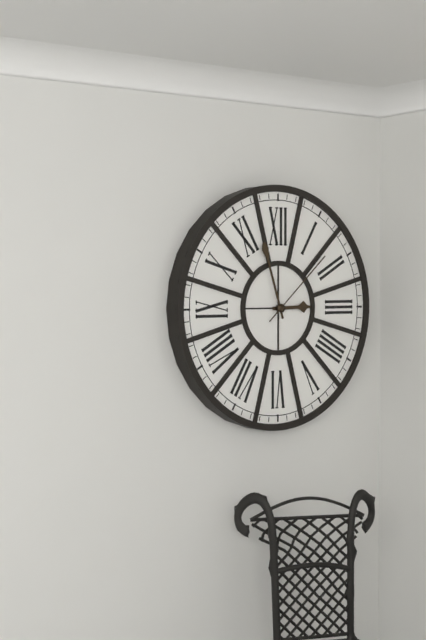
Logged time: h=2 m=57 s=8
